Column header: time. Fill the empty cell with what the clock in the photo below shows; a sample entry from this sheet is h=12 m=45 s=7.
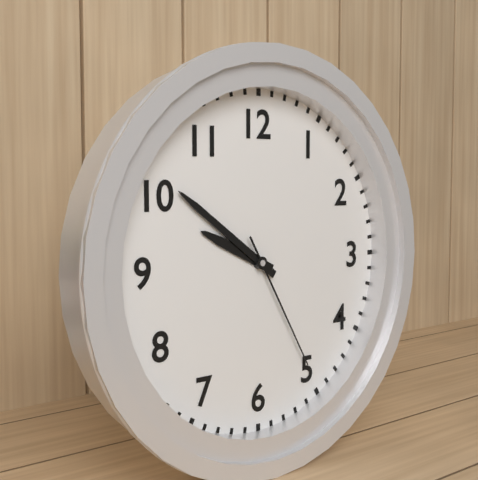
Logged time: h=9 m=51 s=25
